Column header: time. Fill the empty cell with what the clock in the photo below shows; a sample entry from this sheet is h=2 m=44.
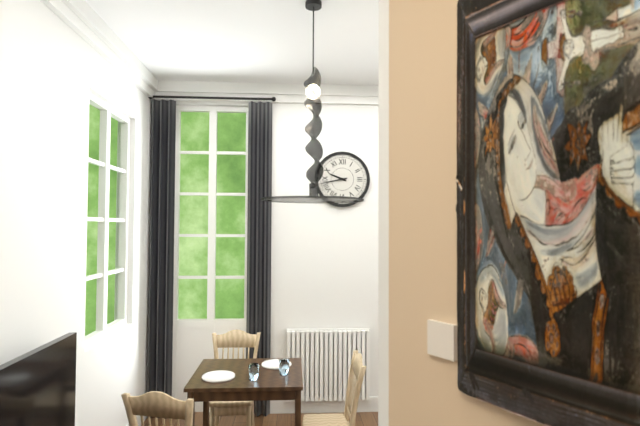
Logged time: h=9 m=43
